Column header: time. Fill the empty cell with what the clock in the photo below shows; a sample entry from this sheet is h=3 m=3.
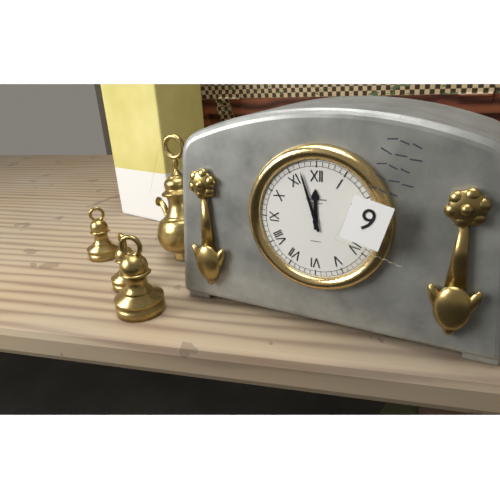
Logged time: h=11 m=57
